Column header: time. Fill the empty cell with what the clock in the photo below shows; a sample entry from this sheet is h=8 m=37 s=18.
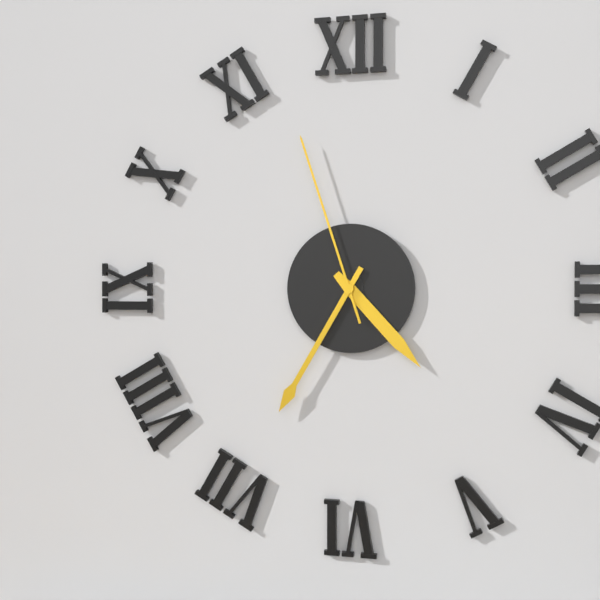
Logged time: h=4 m=35 s=57
